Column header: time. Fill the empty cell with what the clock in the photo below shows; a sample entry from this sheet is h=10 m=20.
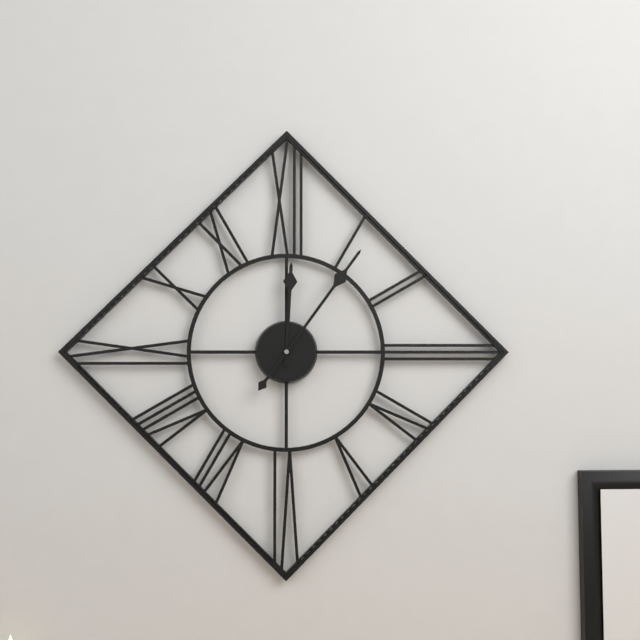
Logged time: h=12 m=6
